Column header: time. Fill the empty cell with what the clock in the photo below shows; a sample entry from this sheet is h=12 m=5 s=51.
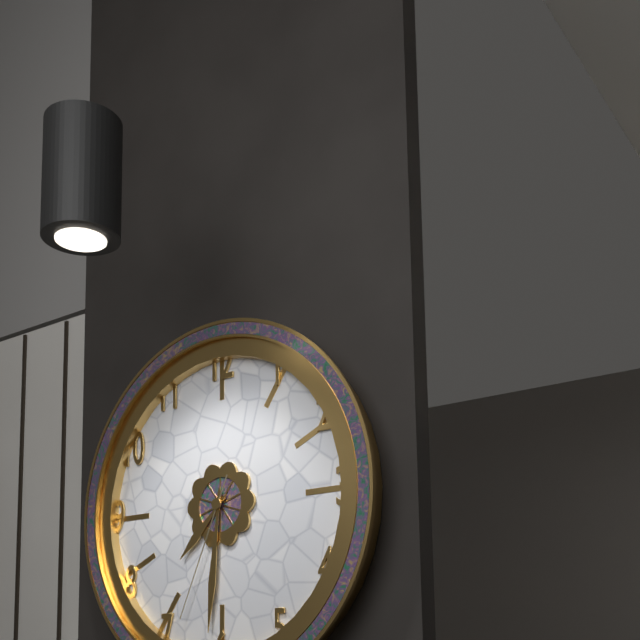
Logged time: h=7 m=31 s=34
